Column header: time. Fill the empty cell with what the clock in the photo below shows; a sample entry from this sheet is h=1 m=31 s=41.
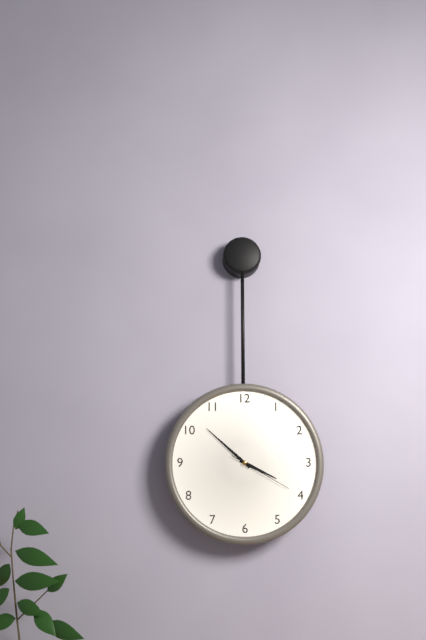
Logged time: h=3 m=52 s=20
